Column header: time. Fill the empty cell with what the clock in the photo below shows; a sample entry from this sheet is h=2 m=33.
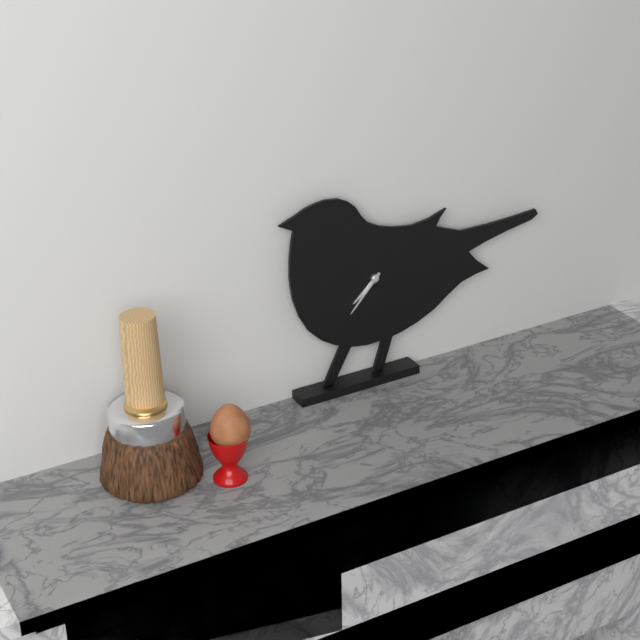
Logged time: h=7 m=37
